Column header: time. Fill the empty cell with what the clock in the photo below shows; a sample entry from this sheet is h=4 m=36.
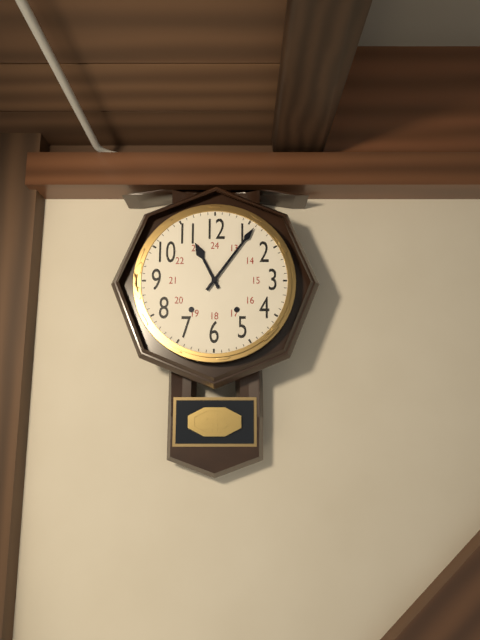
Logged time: h=11 m=6
